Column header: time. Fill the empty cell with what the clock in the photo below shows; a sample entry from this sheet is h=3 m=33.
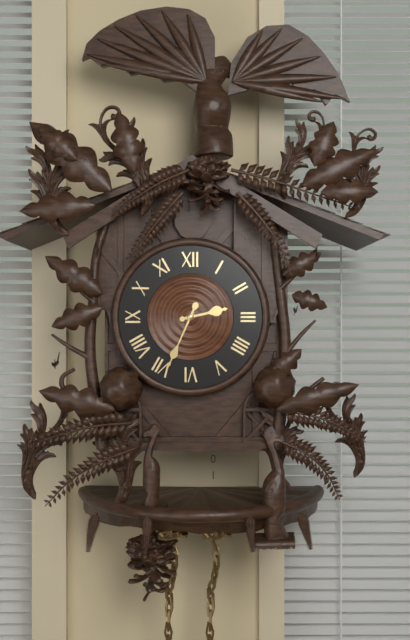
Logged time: h=2 m=34
